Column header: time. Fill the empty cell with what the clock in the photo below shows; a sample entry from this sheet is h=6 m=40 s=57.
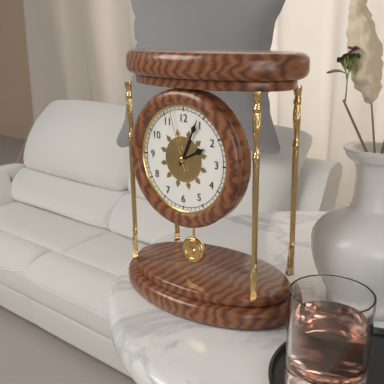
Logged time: h=2 m=4 s=57
